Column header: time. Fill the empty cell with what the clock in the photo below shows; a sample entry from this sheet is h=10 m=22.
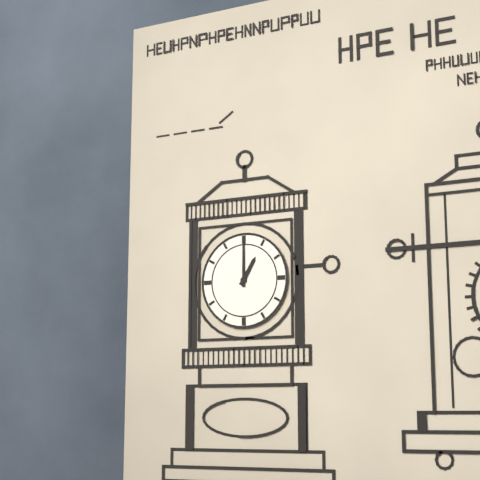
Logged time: h=1 m=0
